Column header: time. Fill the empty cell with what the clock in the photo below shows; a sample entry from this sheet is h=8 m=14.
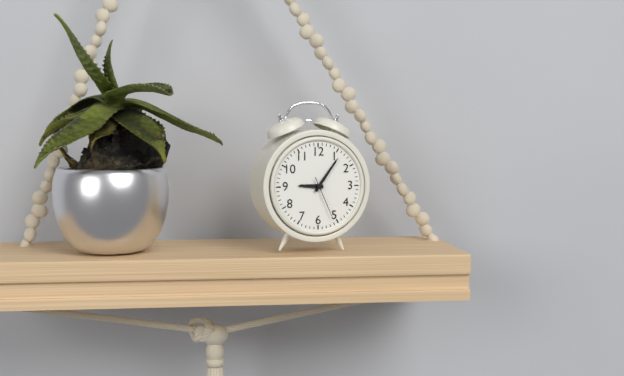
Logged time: h=9 m=6
